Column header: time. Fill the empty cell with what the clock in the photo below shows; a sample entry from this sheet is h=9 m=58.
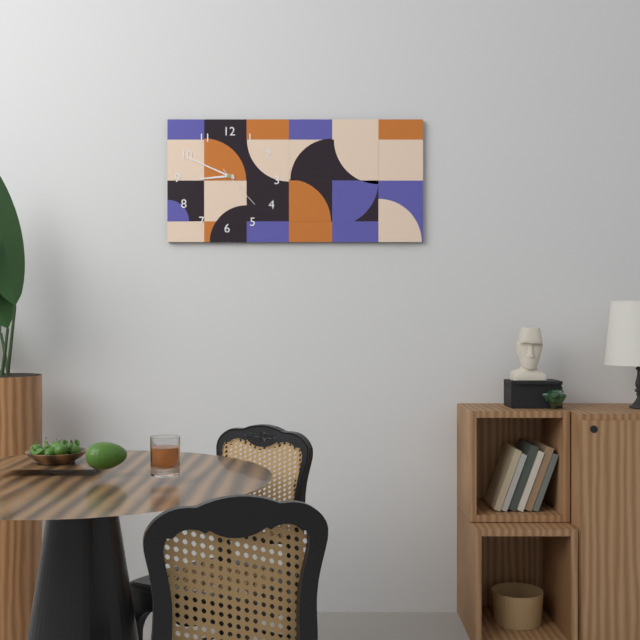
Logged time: h=8 m=49
